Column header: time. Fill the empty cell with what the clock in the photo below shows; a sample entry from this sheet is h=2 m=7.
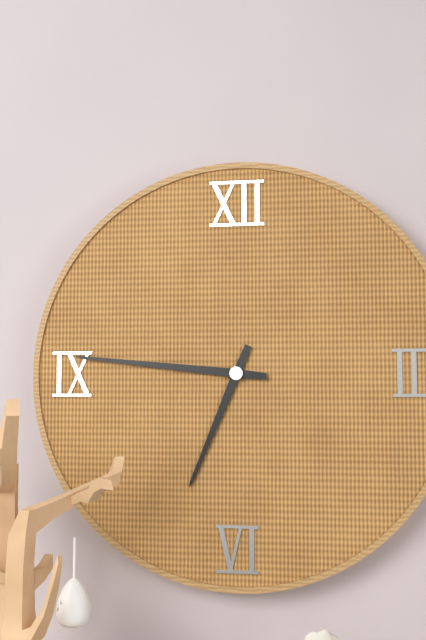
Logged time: h=6 m=46
